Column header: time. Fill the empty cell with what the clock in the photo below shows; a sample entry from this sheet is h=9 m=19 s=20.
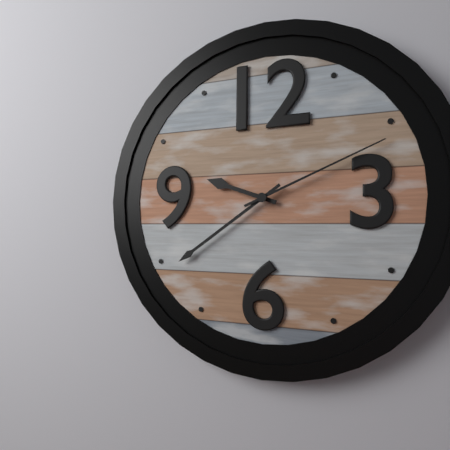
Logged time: h=9 m=39 s=11
